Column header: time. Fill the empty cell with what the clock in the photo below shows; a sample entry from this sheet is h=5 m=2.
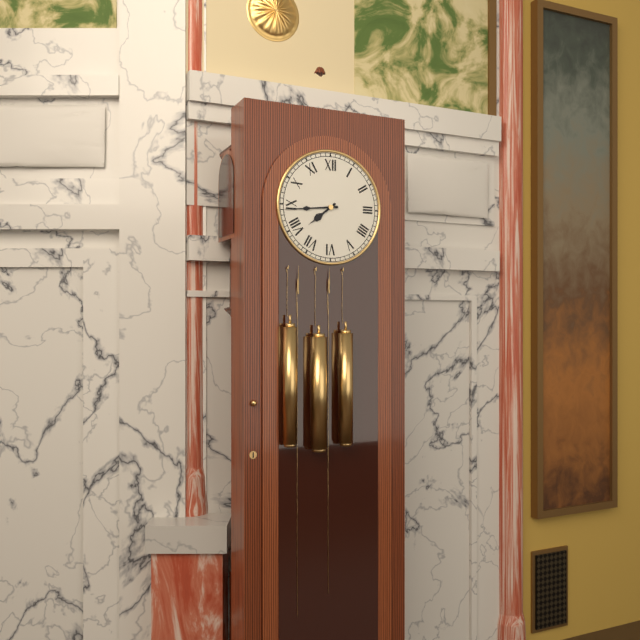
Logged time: h=7 m=44
